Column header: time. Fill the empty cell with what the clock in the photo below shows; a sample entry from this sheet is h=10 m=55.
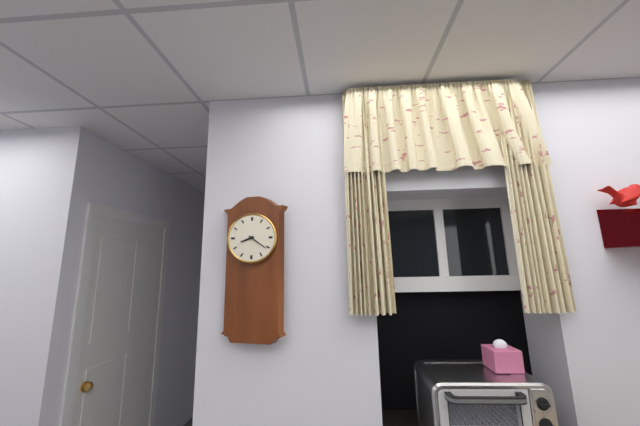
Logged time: h=8 m=21
